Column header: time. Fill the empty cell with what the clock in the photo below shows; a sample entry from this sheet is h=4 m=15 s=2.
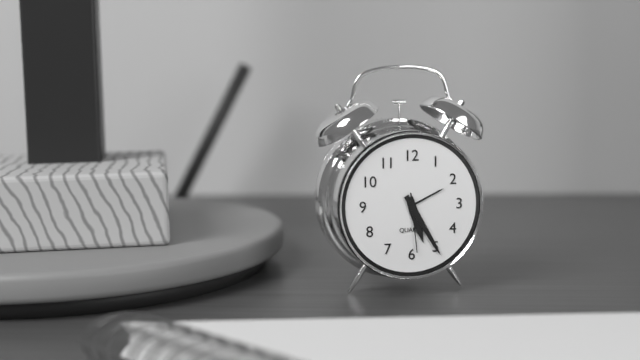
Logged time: h=5 m=25 s=29
